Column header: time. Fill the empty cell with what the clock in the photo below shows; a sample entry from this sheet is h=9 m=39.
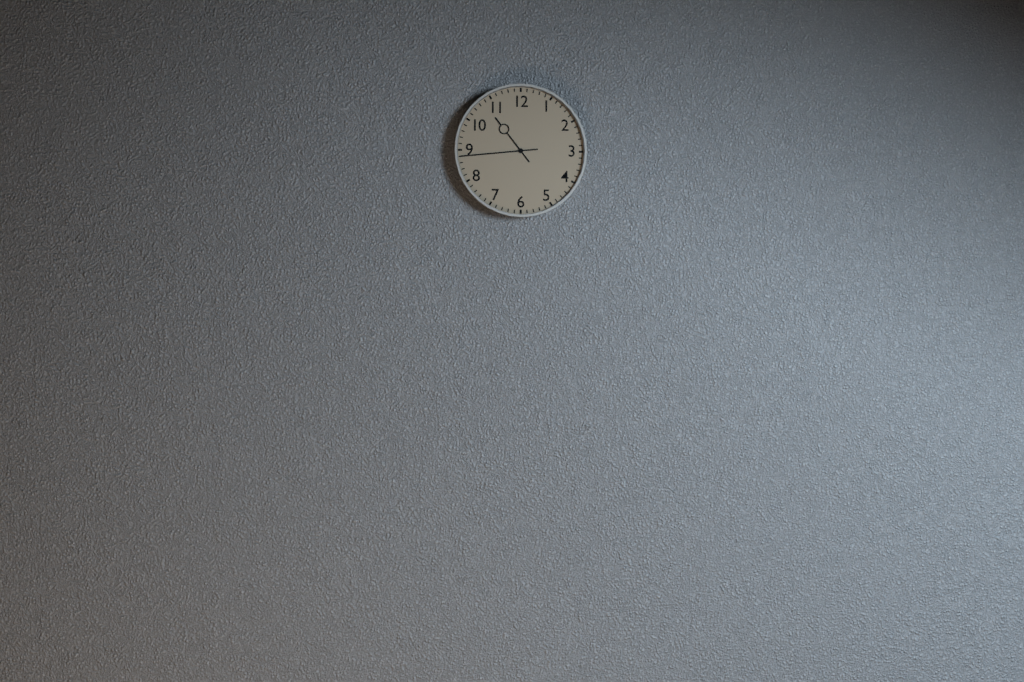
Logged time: h=10 m=44
